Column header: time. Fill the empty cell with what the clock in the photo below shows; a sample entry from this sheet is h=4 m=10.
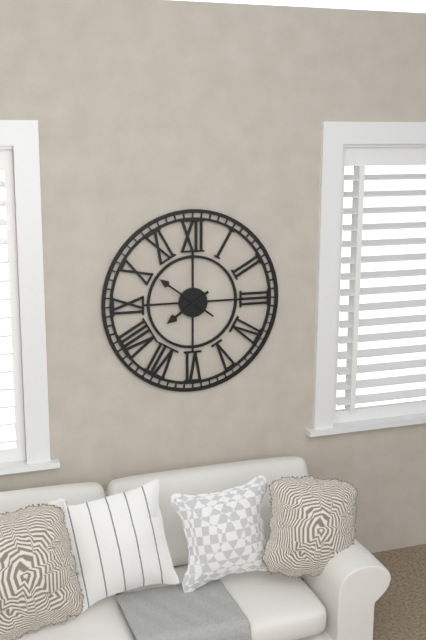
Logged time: h=7 m=51
